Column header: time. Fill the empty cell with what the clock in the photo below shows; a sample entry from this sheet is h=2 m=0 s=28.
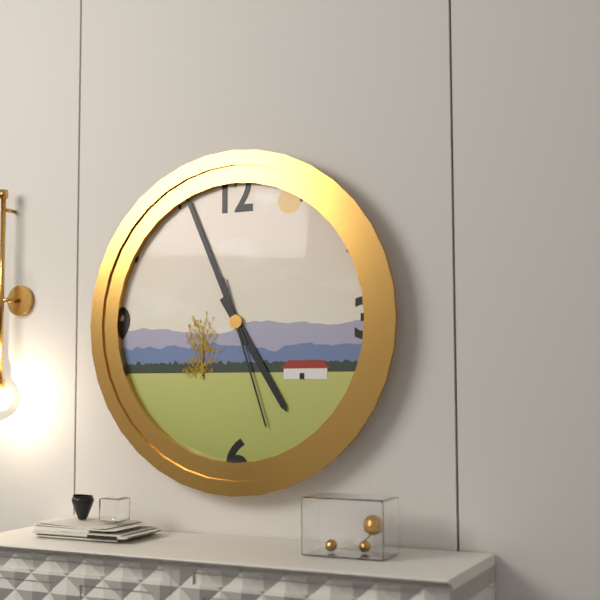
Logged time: h=4 m=56 s=27
